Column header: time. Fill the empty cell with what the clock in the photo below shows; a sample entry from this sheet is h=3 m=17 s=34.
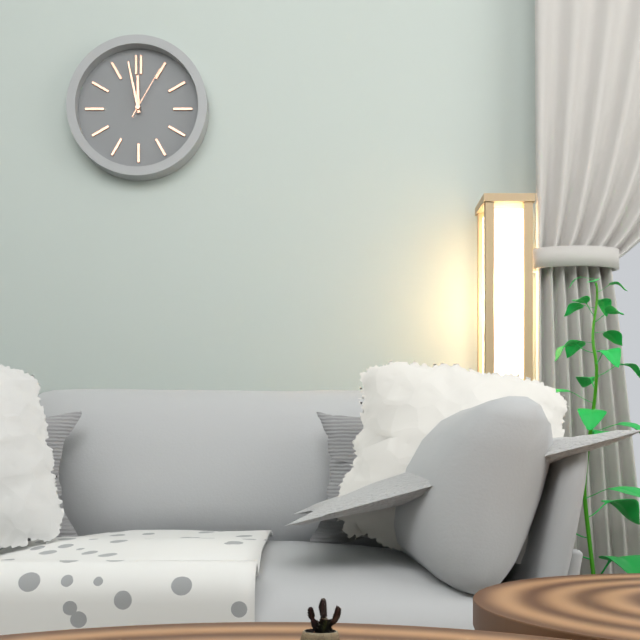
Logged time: h=11 m=58 s=5
